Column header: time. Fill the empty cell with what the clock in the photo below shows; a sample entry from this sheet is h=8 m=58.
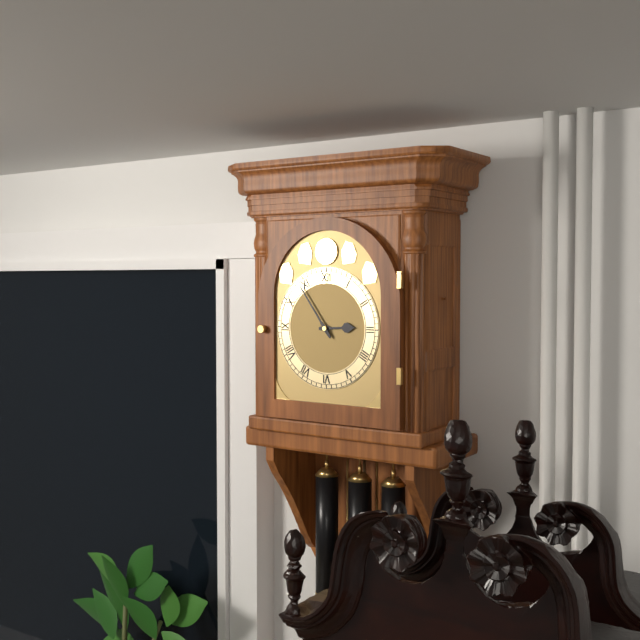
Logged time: h=2 m=54
